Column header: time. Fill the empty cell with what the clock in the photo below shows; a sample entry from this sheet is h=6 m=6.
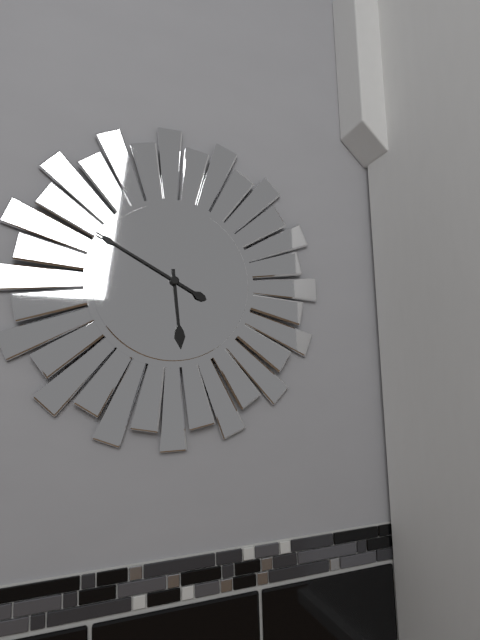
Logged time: h=5 m=50
